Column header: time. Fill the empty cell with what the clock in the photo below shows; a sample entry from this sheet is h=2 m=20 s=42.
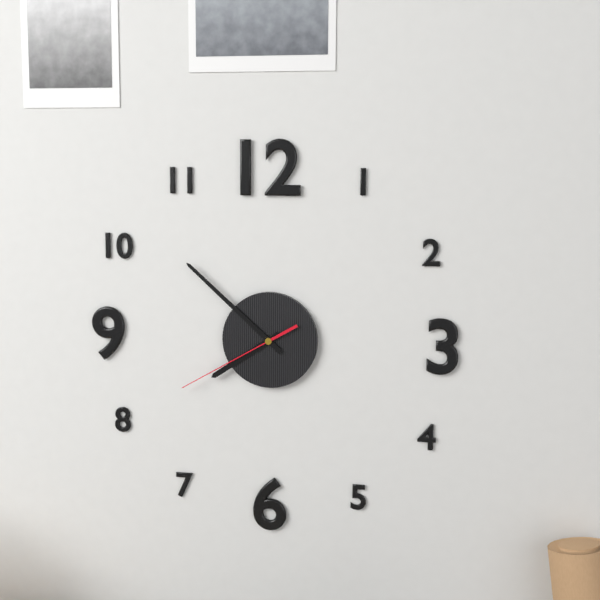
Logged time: h=7 m=52 s=40
